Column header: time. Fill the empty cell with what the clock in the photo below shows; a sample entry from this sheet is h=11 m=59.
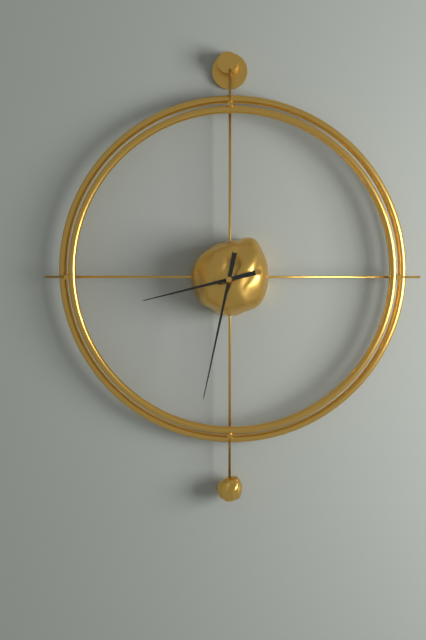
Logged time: h=8 m=32
